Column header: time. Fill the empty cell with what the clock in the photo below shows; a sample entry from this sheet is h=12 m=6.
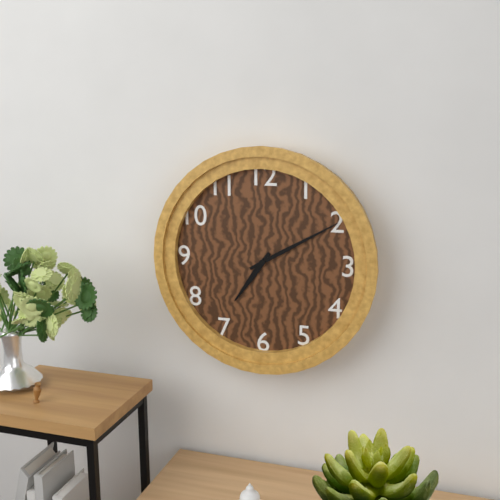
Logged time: h=7 m=10
